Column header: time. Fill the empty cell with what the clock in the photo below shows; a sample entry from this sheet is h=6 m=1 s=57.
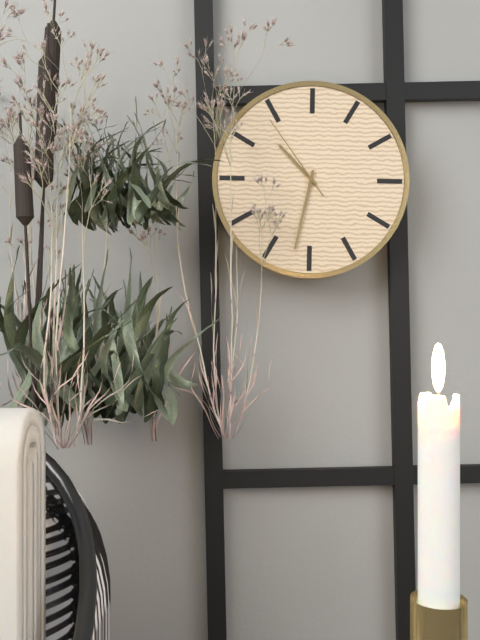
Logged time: h=10 m=32 s=54
